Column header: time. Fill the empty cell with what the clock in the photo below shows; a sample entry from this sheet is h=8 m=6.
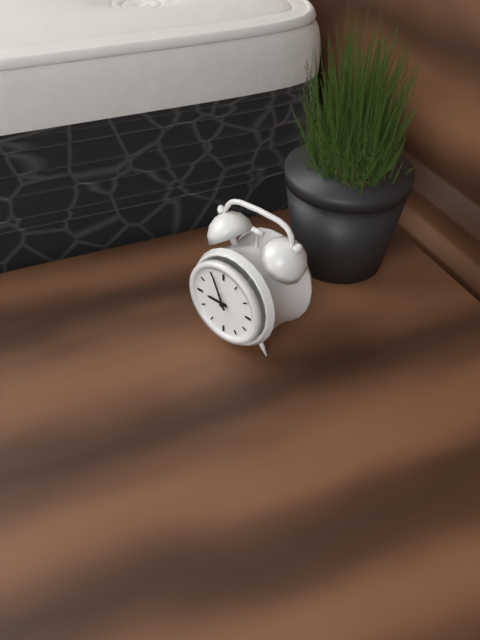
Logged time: h=8 m=56
